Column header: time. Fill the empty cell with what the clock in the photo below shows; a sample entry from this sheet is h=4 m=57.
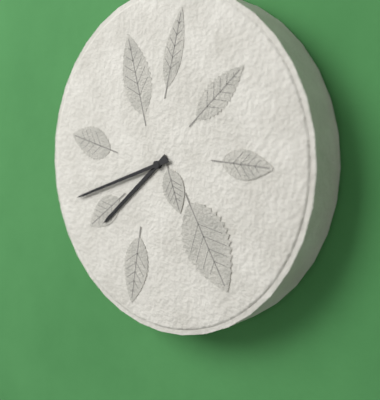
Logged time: h=7 m=42
